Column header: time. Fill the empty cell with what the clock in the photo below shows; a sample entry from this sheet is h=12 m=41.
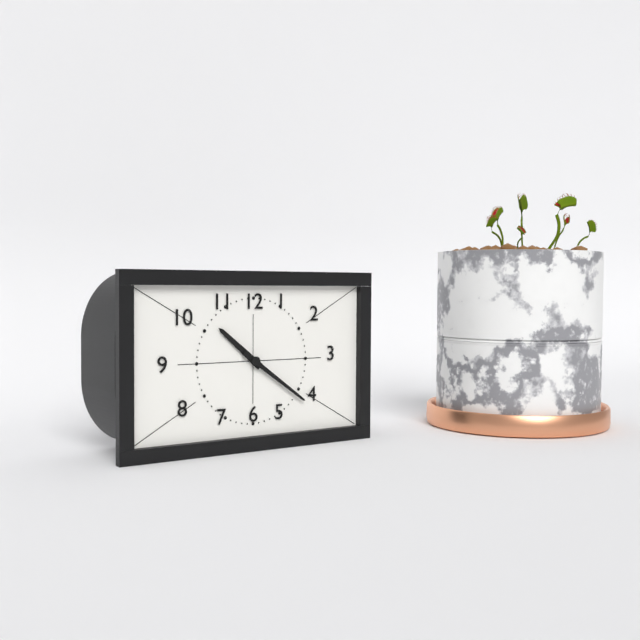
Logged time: h=10 m=21
